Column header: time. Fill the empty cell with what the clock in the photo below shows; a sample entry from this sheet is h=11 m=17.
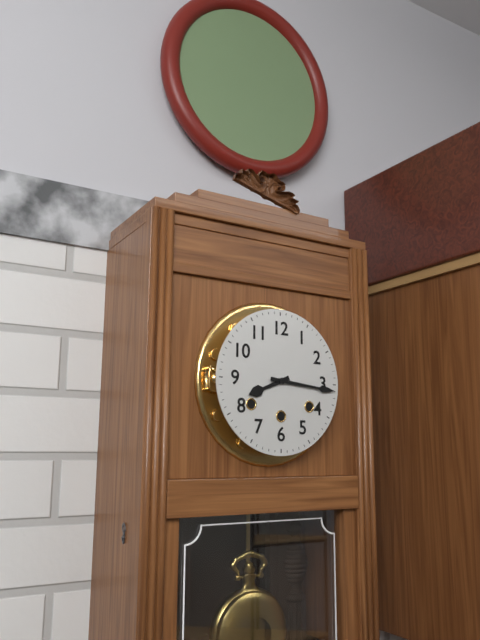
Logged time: h=8 m=16
